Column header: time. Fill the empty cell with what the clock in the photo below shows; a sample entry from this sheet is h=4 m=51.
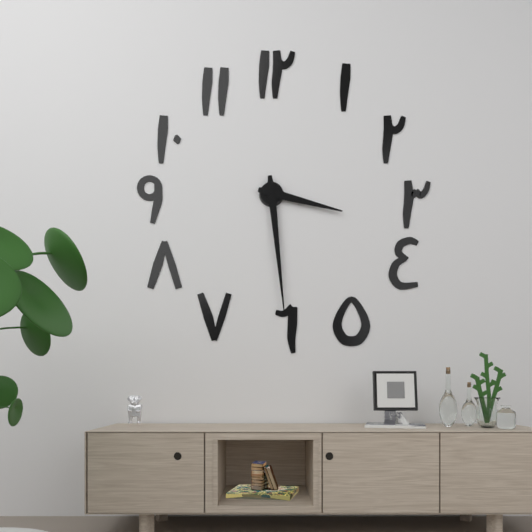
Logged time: h=3 m=29
